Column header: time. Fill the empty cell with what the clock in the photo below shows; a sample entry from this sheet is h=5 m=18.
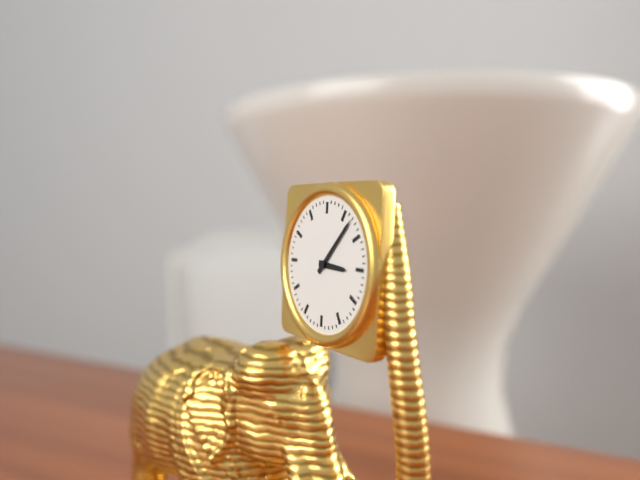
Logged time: h=3 m=7
